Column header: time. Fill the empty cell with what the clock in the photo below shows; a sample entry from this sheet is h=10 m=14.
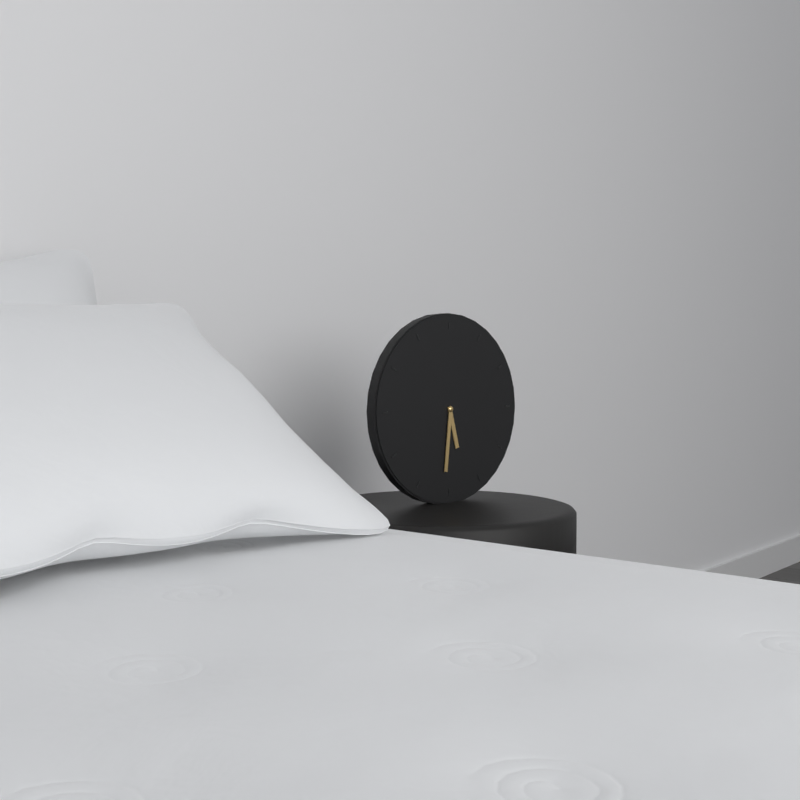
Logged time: h=5 m=31
